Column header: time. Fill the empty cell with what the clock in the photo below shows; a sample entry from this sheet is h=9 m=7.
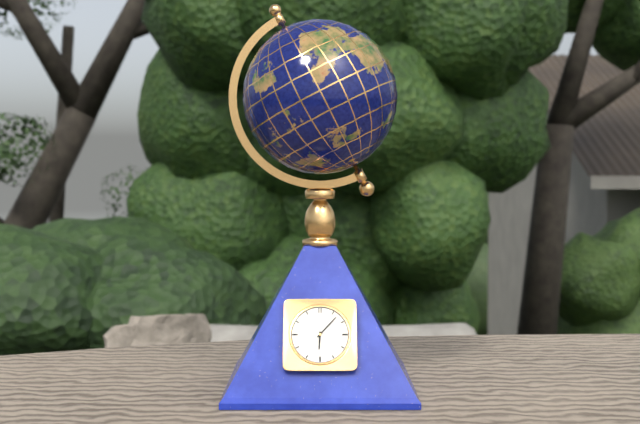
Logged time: h=6 m=7
